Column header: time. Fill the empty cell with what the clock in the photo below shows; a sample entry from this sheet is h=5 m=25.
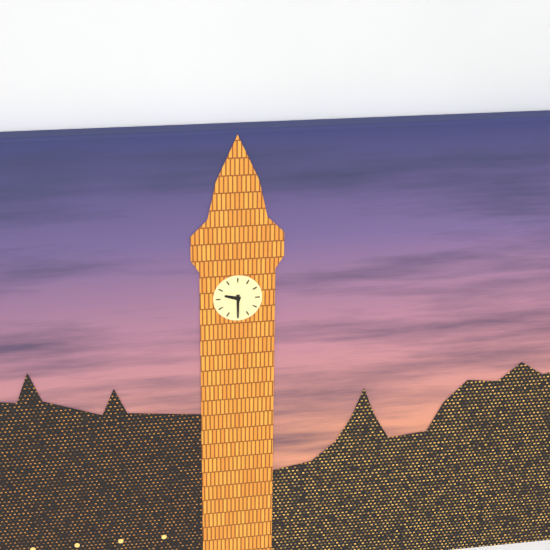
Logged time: h=9 m=30
